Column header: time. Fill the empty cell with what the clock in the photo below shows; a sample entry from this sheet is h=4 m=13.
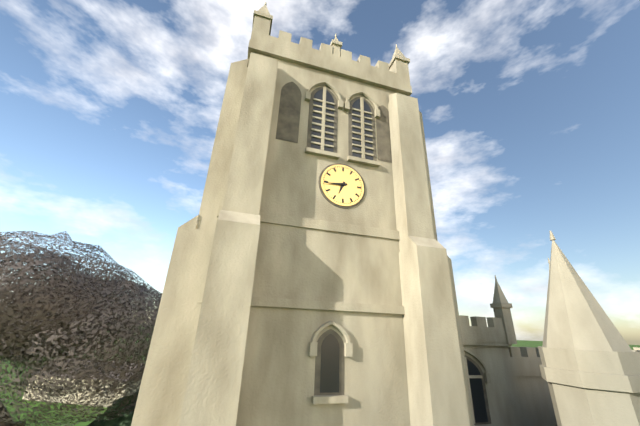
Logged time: h=6 m=44
